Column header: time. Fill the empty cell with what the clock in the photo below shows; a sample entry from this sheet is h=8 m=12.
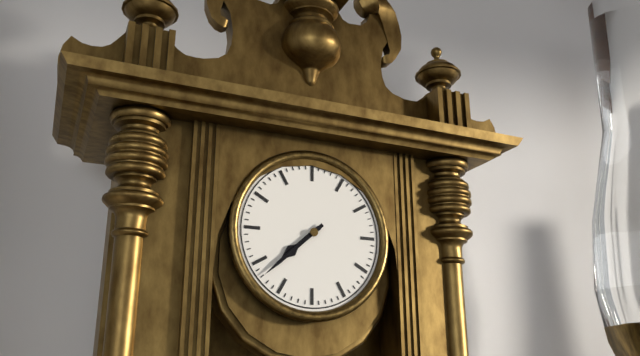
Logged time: h=7 m=38
